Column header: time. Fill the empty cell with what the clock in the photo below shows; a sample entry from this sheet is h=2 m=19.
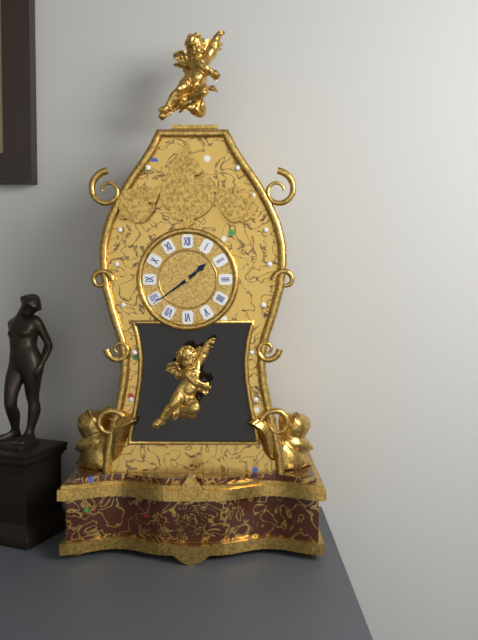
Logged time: h=1 m=39
